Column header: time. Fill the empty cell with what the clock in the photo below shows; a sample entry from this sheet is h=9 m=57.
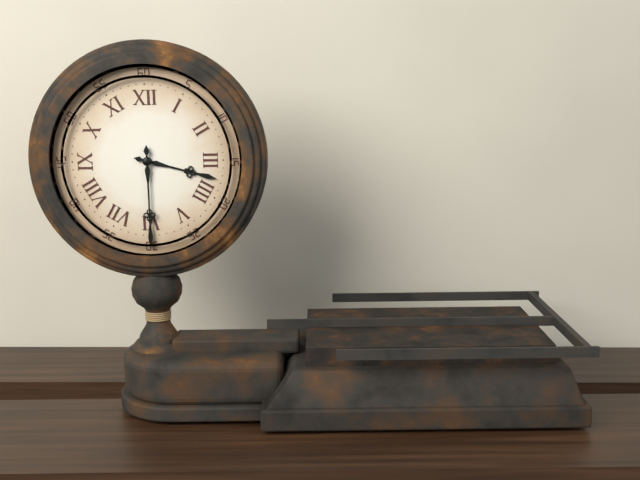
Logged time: h=3 m=30
